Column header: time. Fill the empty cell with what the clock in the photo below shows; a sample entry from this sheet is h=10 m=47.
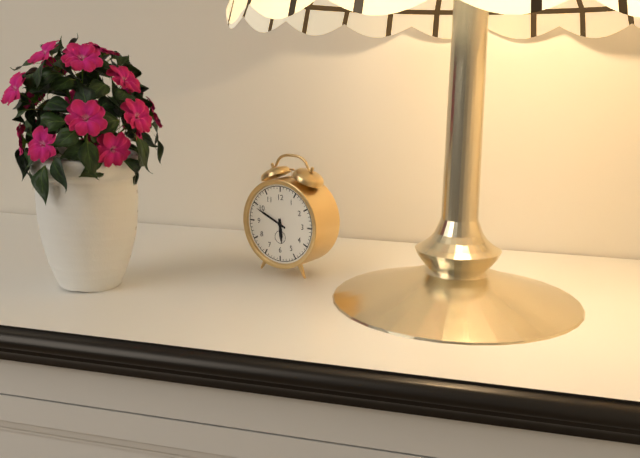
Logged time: h=5 m=49
